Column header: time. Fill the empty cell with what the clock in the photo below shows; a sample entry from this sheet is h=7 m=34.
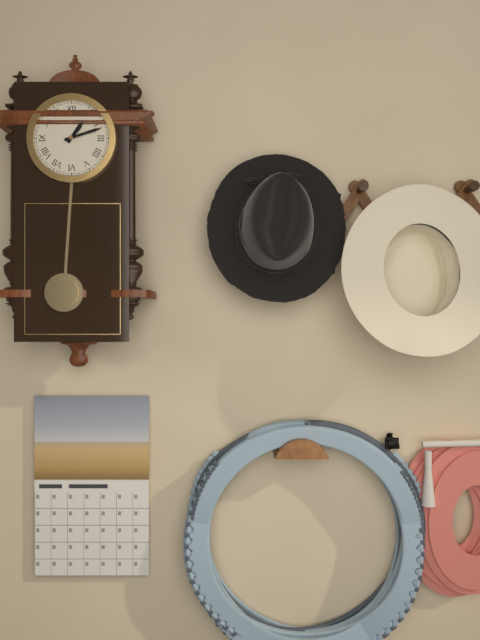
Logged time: h=1 m=12
